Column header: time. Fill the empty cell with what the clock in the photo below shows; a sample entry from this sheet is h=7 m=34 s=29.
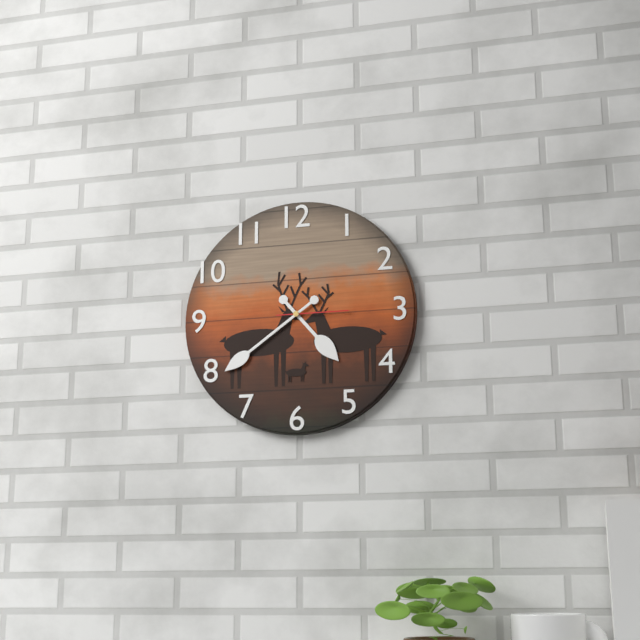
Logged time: h=4 m=39 s=15
